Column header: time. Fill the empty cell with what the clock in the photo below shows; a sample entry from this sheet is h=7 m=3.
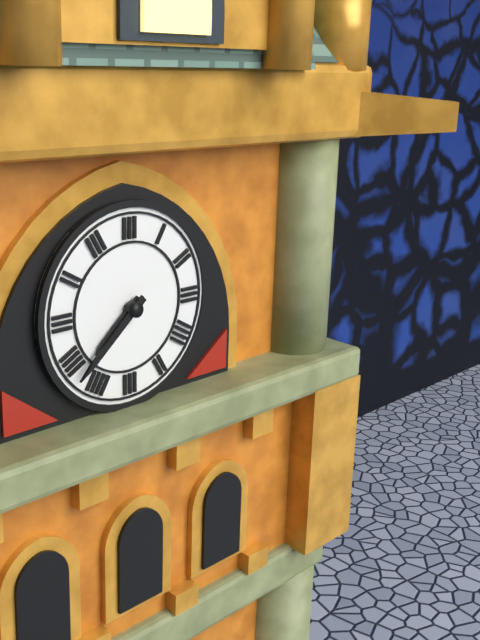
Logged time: h=7 m=38
